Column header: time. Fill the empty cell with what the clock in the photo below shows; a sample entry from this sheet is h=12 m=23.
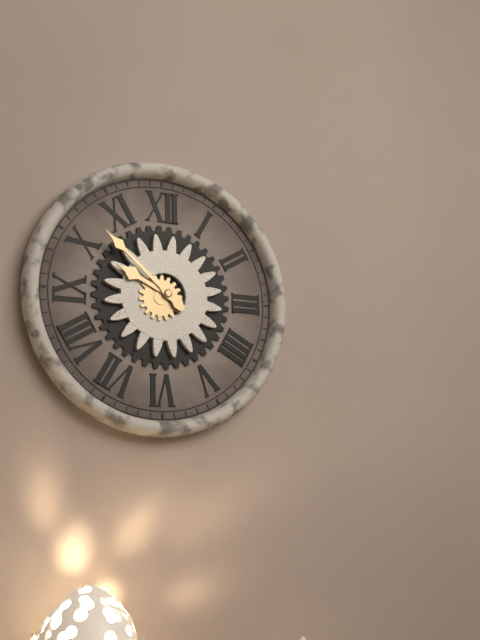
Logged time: h=9 m=52
